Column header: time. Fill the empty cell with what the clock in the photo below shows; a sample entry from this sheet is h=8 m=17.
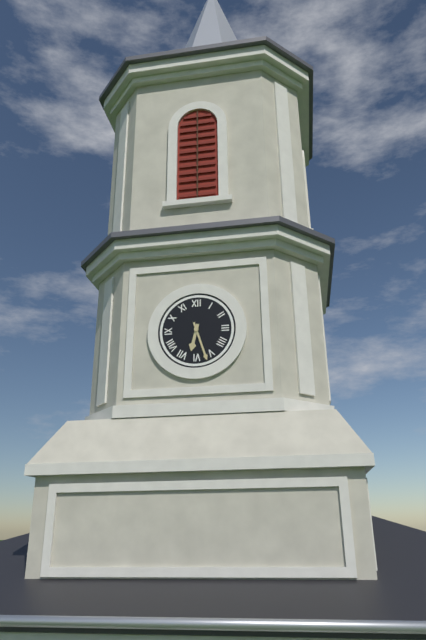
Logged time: h=6 m=27
